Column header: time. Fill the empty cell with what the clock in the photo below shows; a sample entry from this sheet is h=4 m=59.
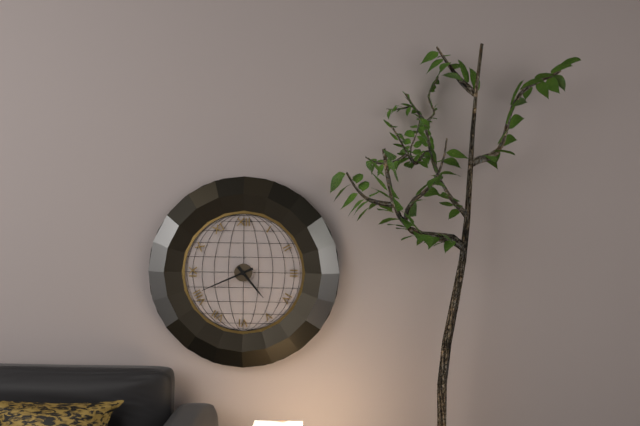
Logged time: h=4 m=41
